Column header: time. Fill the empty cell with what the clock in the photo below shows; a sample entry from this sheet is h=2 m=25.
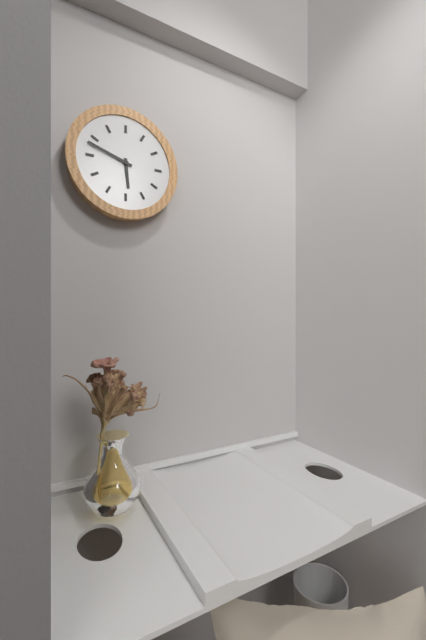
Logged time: h=5 m=48
